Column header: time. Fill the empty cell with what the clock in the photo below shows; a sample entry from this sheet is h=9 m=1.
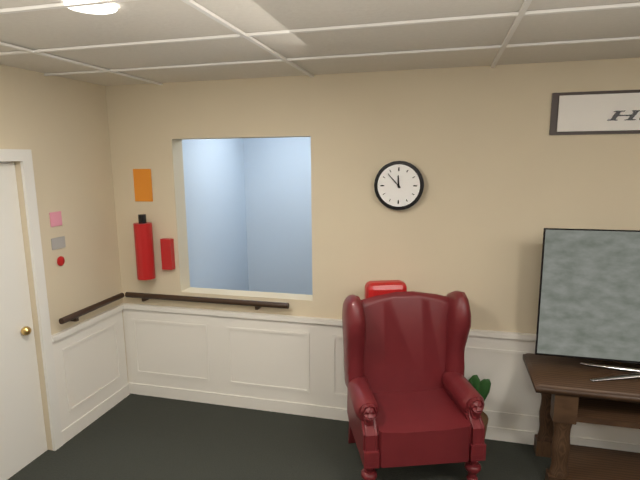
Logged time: h=11 m=53
